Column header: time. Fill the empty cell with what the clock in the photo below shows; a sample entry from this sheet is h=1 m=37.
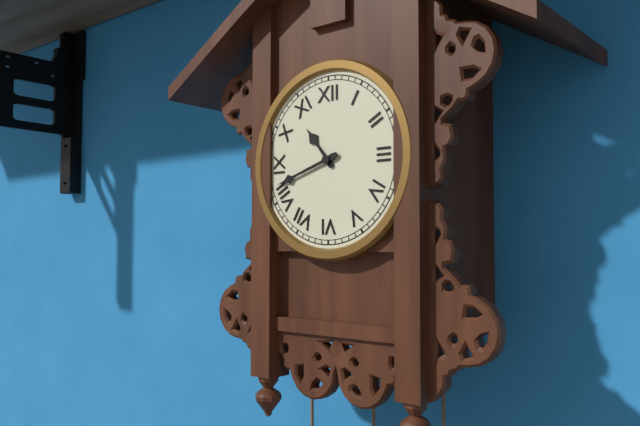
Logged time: h=10 m=42
